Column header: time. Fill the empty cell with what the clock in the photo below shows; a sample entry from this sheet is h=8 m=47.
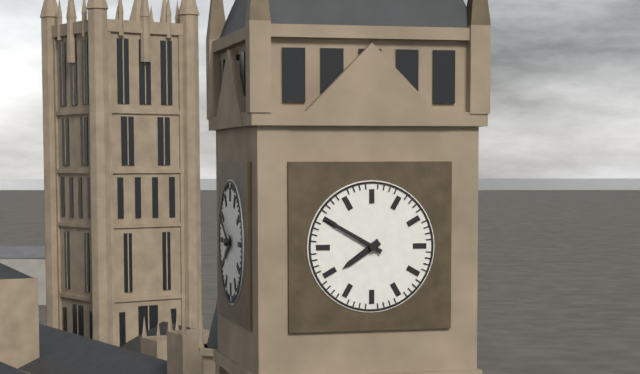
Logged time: h=7 m=50
